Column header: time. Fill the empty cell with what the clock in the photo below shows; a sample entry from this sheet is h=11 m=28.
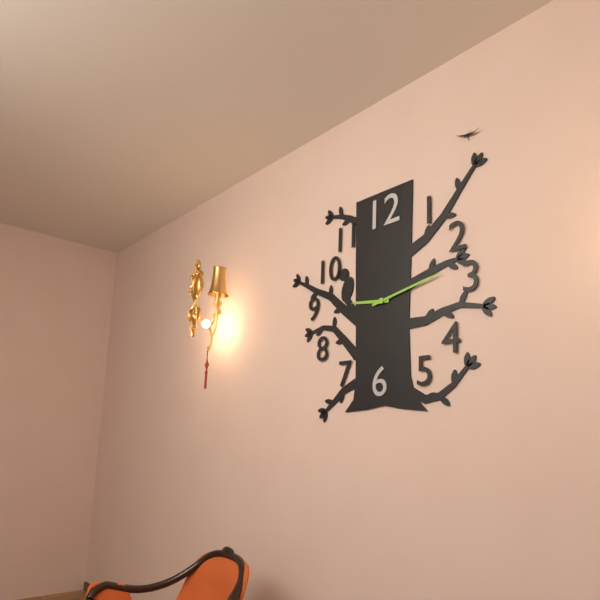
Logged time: h=9 m=13
